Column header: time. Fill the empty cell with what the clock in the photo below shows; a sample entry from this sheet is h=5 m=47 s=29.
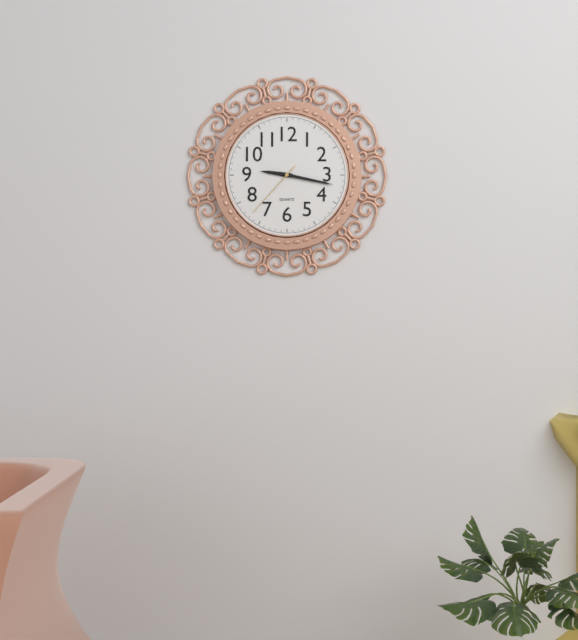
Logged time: h=9 m=17 s=37
